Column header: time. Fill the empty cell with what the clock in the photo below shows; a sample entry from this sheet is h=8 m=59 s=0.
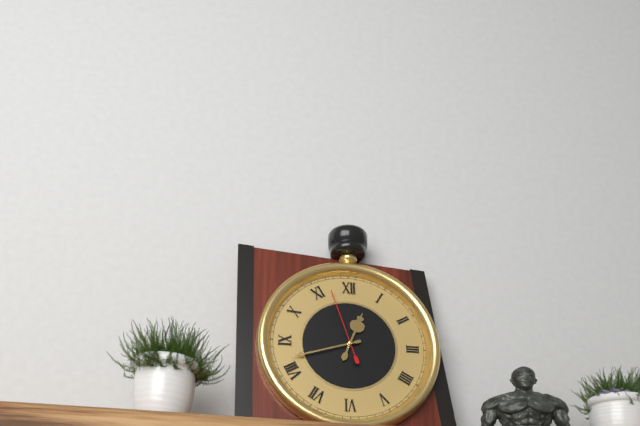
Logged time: h=12 m=42 s=57
